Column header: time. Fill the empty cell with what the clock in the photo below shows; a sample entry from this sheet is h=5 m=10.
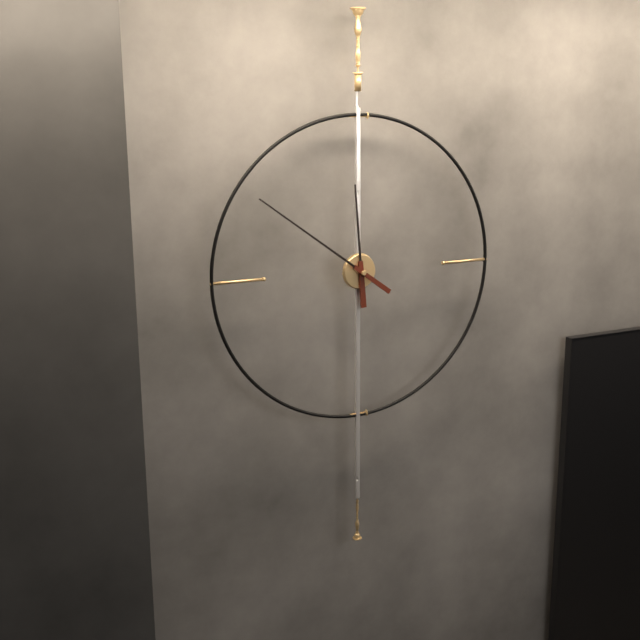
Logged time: h=11 m=51
